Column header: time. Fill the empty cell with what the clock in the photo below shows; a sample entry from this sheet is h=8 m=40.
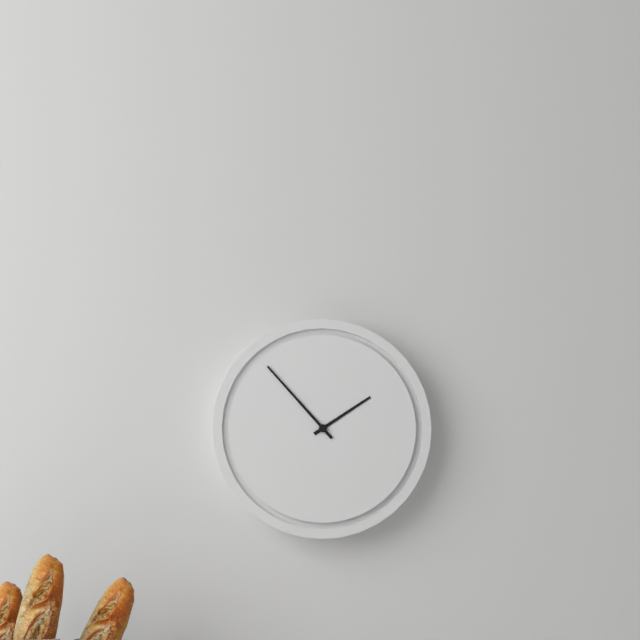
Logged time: h=1 m=53
